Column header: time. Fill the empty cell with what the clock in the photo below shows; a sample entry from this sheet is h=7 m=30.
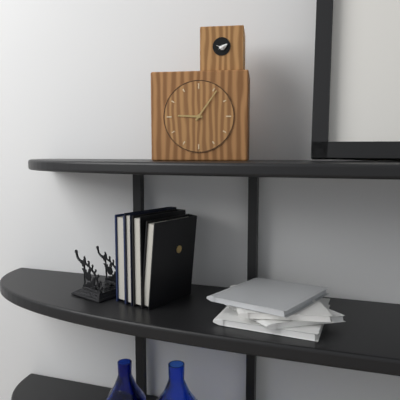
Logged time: h=9 m=6
